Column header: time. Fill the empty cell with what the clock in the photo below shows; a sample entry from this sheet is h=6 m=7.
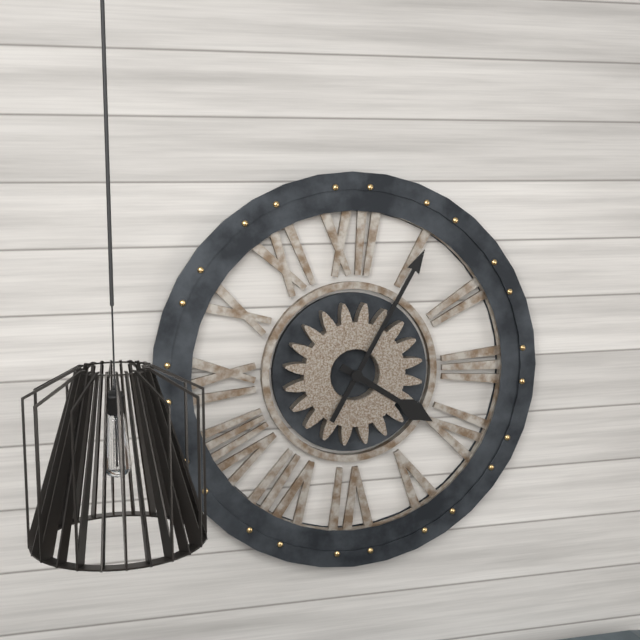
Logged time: h=4 m=5
